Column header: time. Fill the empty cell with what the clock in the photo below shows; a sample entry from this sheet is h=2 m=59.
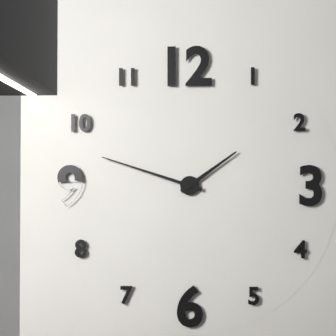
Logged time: h=1 m=48
